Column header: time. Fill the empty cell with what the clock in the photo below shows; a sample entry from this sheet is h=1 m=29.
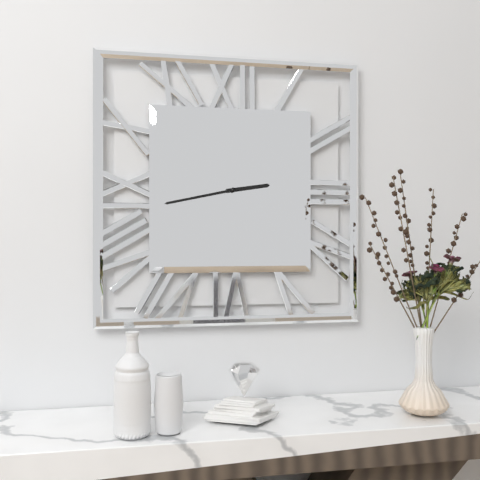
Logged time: h=2 m=43
